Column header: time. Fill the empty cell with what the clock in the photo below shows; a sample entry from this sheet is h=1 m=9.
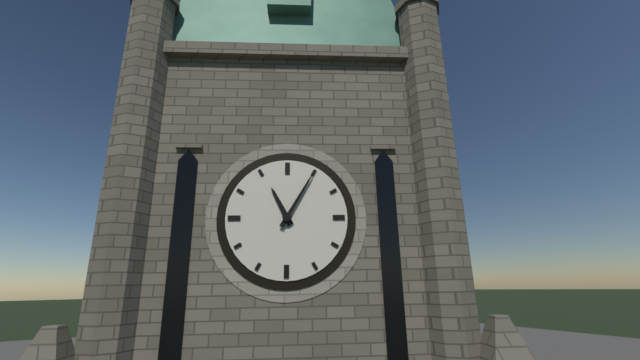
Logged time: h=11 m=5
